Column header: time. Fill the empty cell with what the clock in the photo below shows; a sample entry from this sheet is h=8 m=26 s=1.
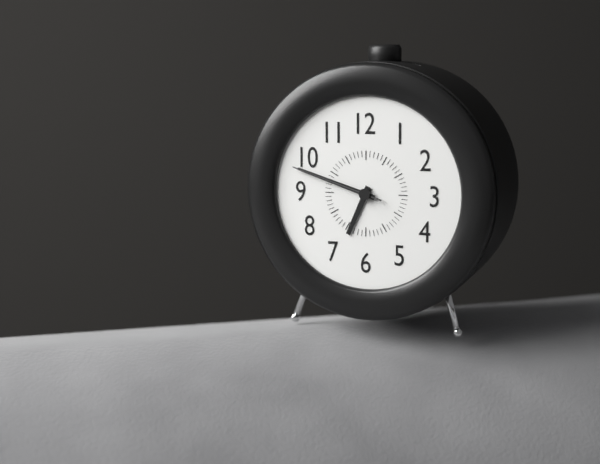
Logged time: h=6 m=48 s=48
